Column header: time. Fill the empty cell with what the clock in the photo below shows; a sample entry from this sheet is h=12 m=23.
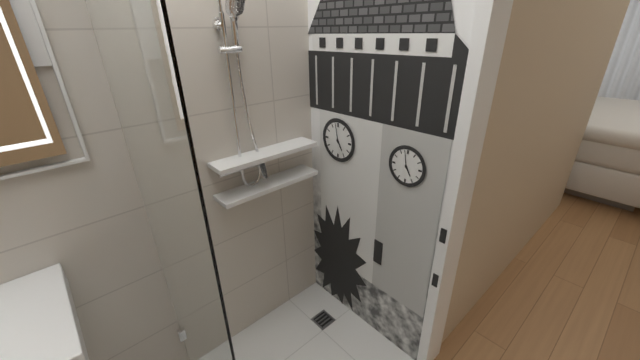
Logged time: h=4 m=58
